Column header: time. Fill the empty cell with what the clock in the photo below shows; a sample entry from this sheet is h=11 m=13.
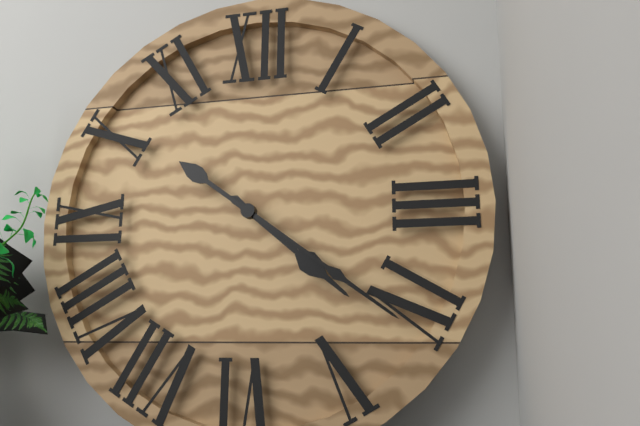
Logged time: h=4 m=21
